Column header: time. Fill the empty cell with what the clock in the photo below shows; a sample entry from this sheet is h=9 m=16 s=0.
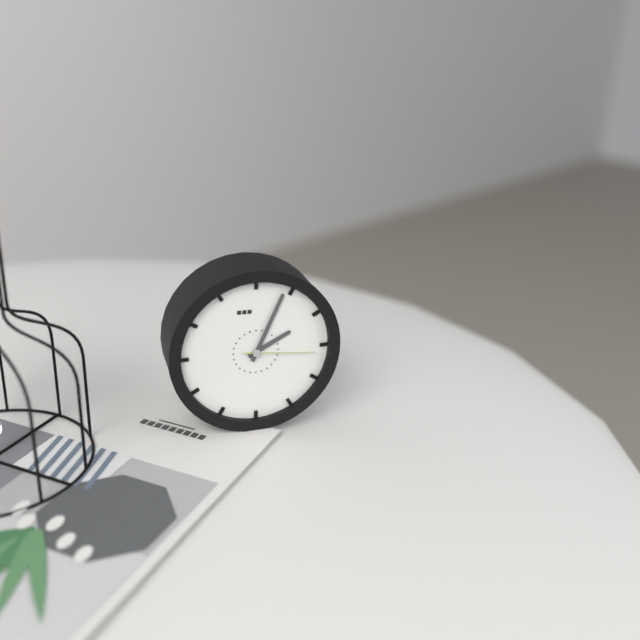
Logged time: h=2 m=4 s=16
